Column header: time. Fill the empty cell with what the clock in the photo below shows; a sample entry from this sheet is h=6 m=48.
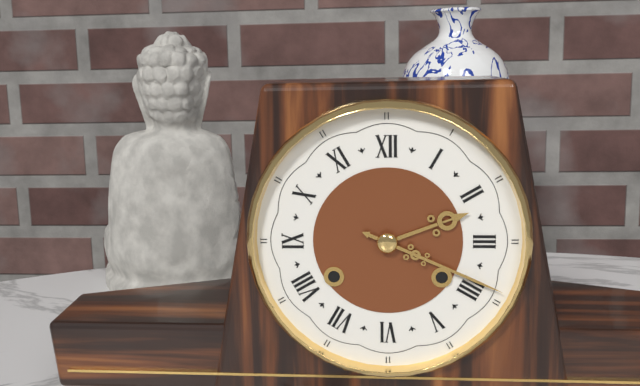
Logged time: h=2 m=19
